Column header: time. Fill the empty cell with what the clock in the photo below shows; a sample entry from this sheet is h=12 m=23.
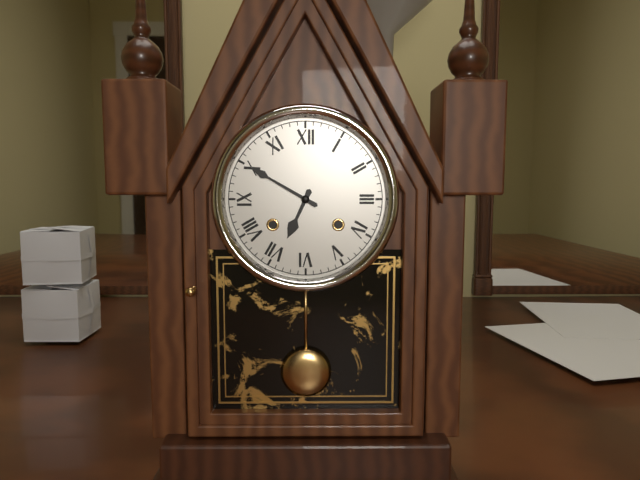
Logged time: h=6 m=50
